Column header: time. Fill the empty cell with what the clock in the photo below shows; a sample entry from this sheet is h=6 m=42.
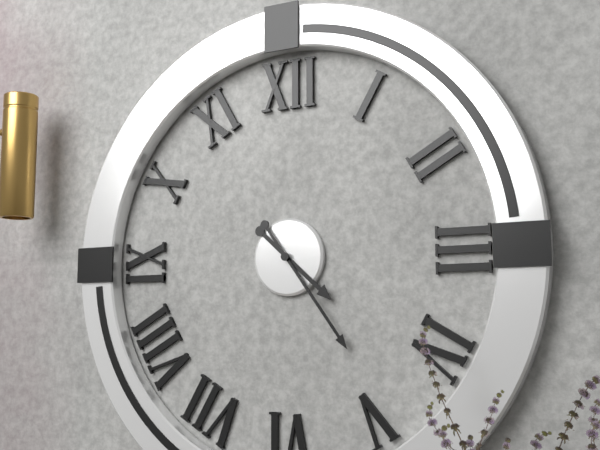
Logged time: h=4 m=24
